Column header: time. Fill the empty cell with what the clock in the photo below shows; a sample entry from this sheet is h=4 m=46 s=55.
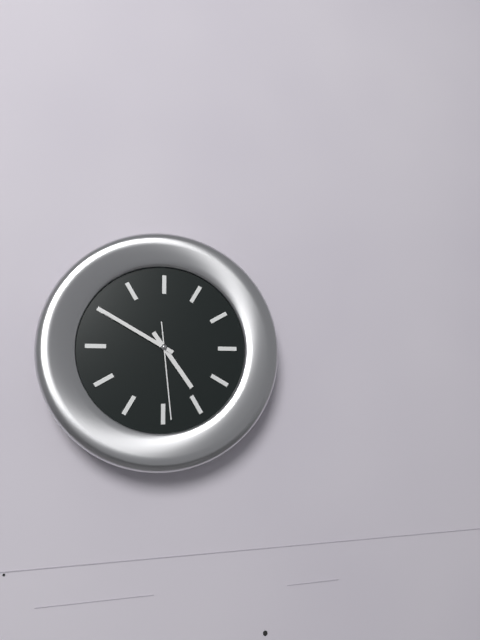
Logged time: h=4 m=50 s=29
